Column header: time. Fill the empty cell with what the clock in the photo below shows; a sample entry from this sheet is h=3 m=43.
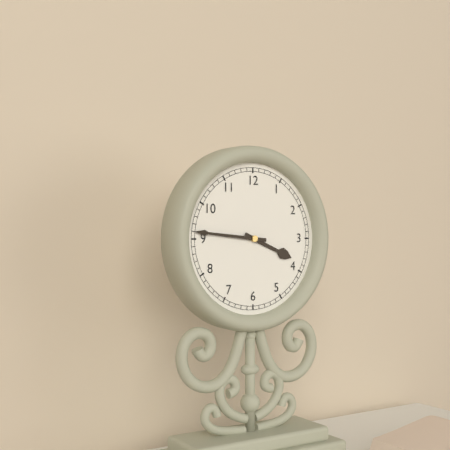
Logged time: h=3 m=46
